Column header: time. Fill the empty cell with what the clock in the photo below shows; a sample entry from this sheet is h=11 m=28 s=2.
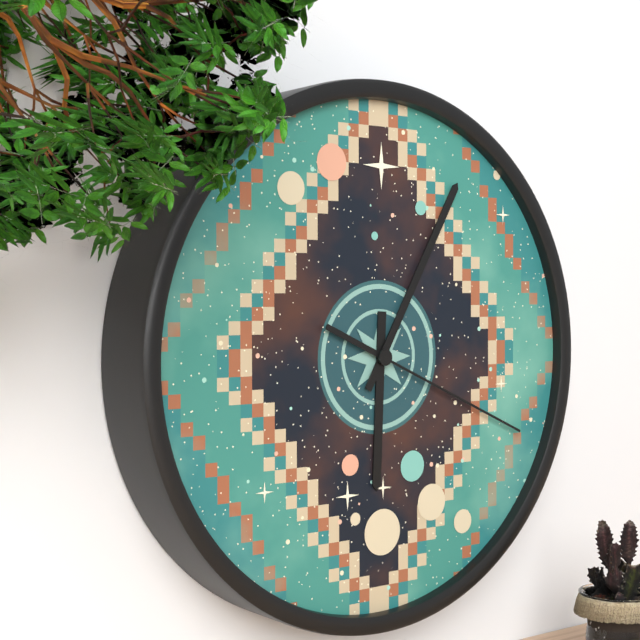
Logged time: h=6 m=5 s=19
